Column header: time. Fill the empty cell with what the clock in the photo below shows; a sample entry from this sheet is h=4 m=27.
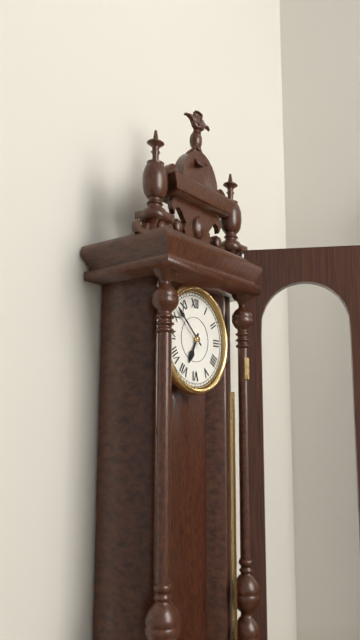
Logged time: h=6 m=52
